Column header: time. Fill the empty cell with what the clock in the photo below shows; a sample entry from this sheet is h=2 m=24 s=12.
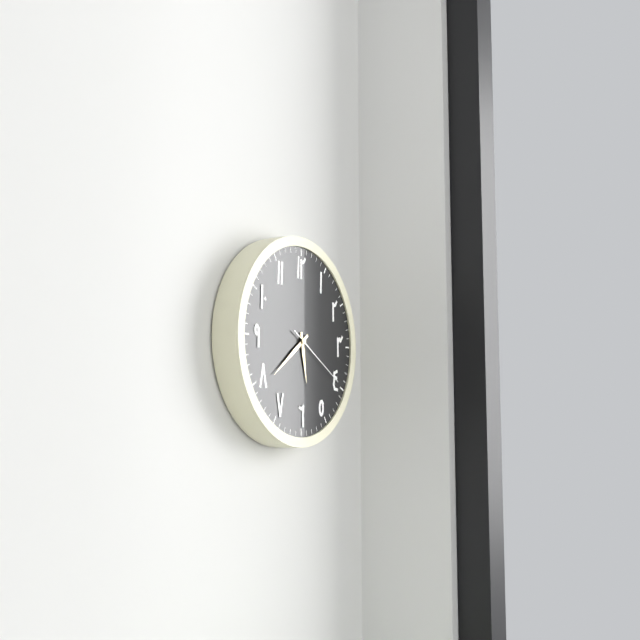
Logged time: h=5 m=39 s=20
